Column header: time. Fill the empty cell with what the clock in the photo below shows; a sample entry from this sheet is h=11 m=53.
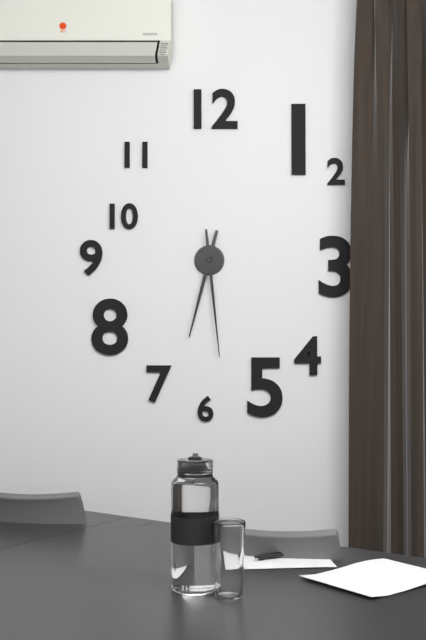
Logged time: h=6 m=29
